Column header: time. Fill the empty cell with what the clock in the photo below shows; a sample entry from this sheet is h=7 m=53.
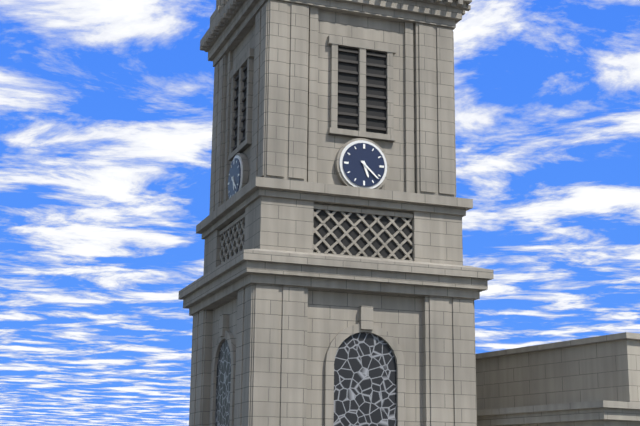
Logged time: h=5 m=22
